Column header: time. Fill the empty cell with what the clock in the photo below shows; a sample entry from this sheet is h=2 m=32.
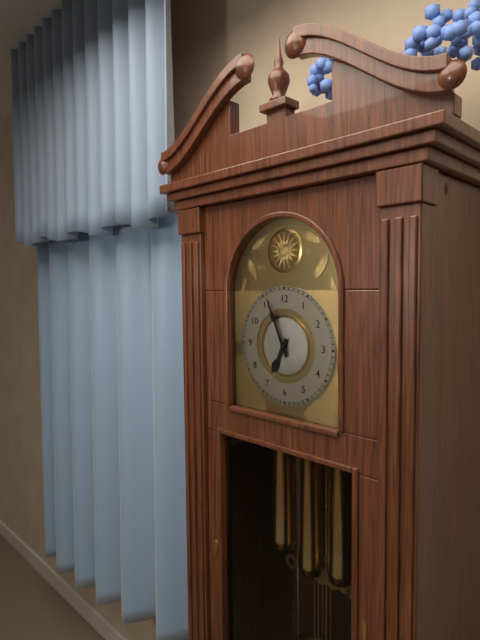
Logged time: h=6 m=56
